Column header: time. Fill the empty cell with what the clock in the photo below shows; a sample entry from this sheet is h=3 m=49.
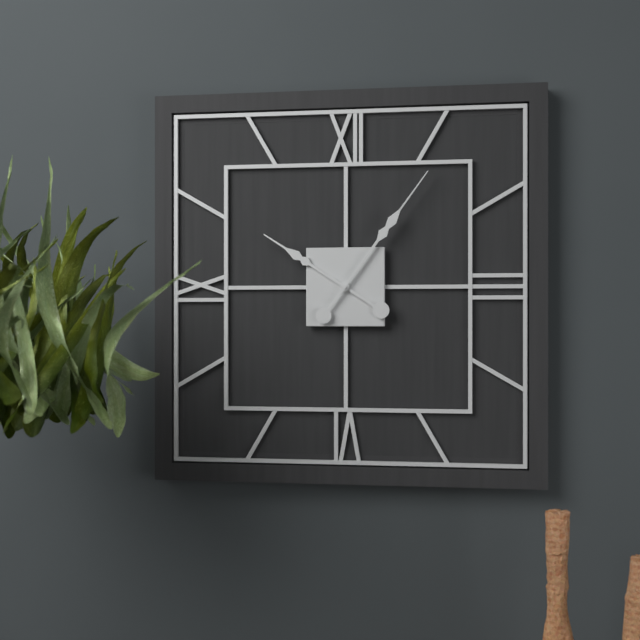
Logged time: h=10 m=6
